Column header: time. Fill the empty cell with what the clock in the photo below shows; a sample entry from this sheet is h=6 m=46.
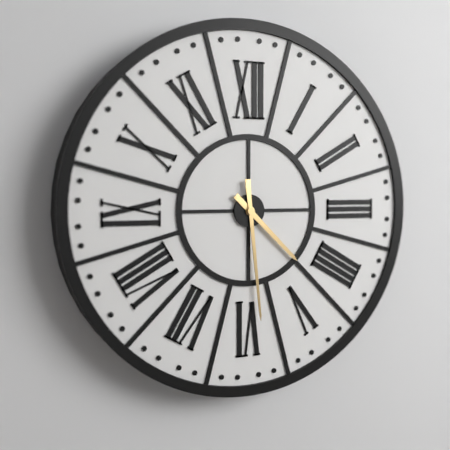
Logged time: h=4 m=29
